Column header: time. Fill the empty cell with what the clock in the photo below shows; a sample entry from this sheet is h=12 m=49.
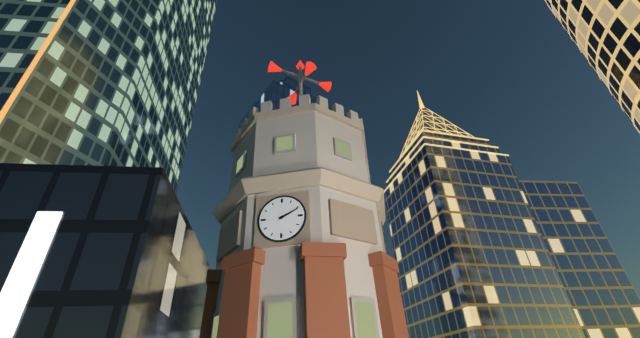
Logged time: h=2 m=11
